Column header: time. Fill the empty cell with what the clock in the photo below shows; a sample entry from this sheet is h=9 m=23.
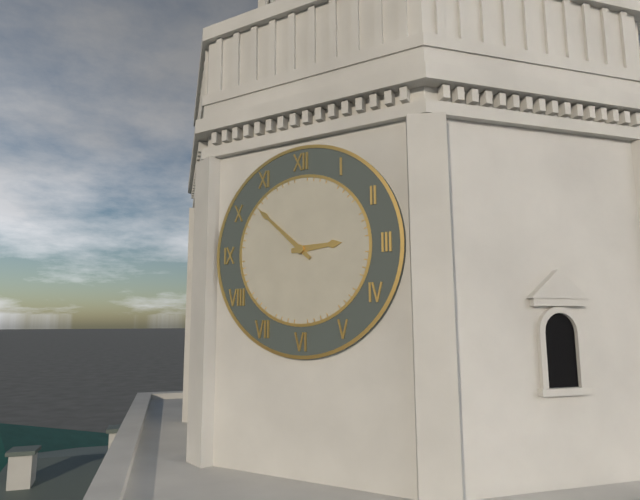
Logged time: h=2 m=52
